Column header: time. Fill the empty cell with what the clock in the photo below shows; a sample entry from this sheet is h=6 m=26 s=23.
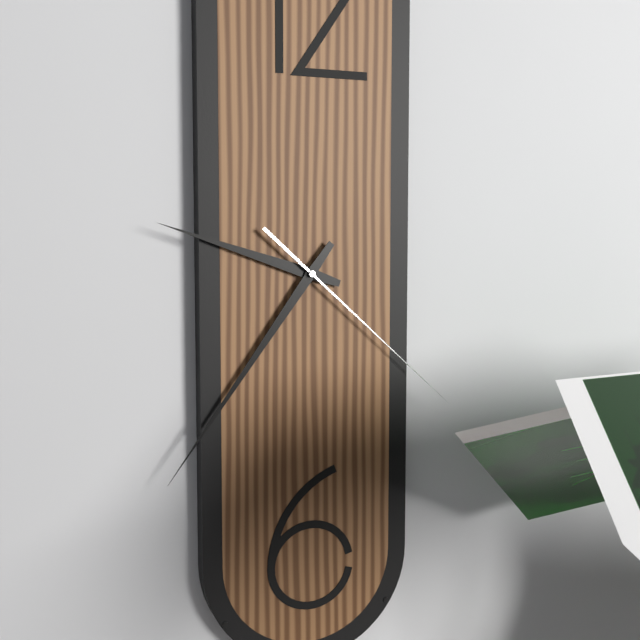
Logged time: h=9 m=36 s=22
